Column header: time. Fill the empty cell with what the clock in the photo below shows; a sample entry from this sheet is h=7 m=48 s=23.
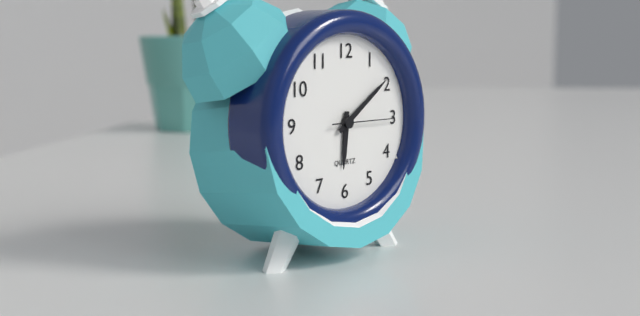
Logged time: h=6 m=9 s=15
